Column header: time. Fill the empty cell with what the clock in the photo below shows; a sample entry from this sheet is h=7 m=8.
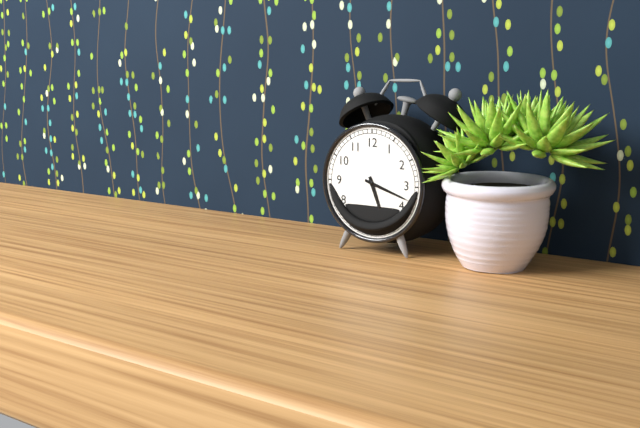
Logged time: h=5 m=18
